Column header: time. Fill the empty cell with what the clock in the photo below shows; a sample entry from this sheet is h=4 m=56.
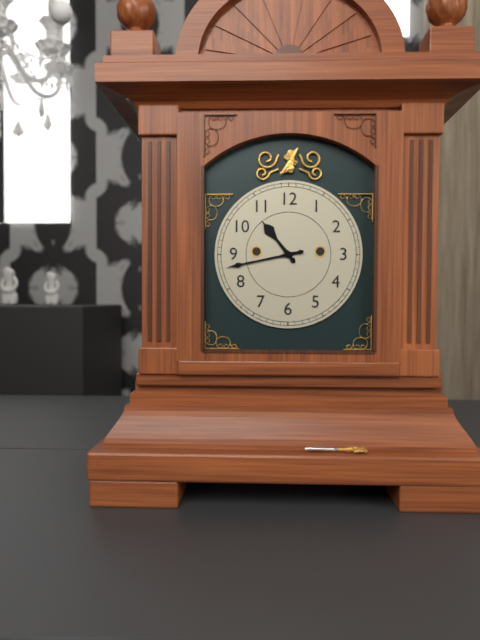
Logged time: h=10 m=43
